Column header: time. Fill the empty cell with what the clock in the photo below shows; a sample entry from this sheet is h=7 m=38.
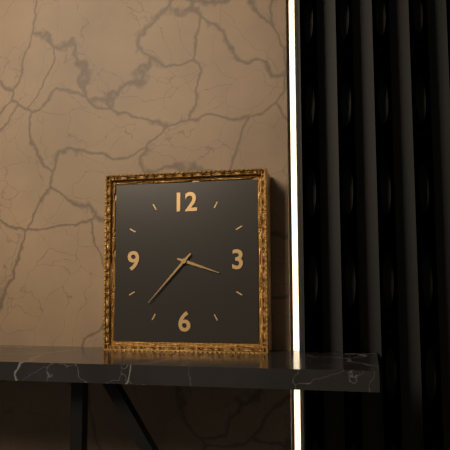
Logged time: h=3 m=37
